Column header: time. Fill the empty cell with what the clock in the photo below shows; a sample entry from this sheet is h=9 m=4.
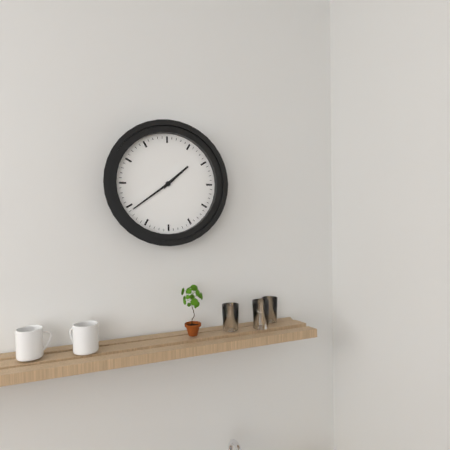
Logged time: h=1 m=39
